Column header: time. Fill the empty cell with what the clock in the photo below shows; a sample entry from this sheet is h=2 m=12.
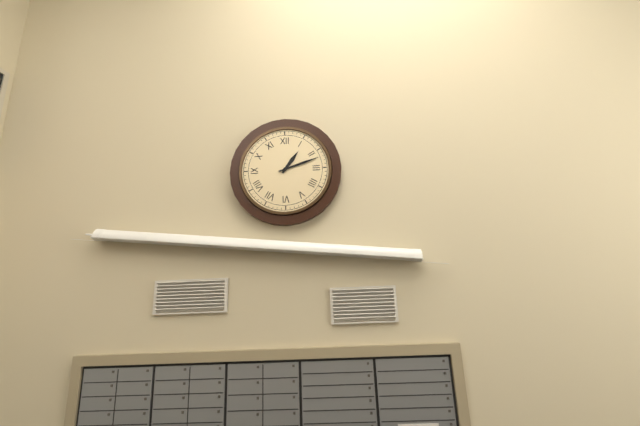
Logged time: h=1 m=12
